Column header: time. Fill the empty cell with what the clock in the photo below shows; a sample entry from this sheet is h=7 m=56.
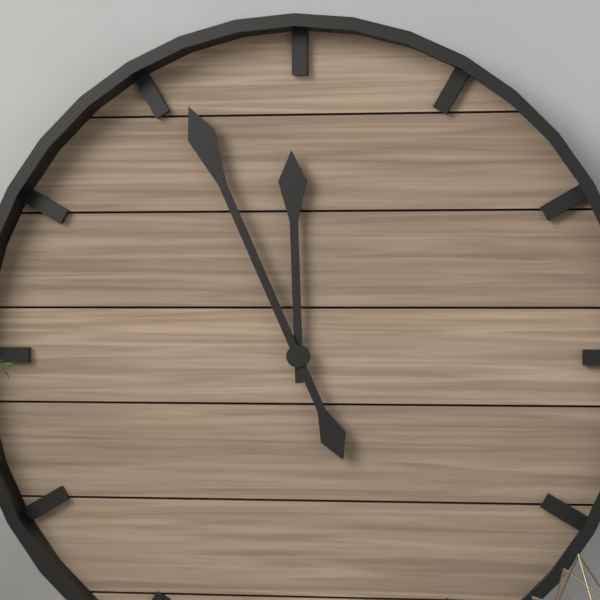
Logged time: h=11 m=56
